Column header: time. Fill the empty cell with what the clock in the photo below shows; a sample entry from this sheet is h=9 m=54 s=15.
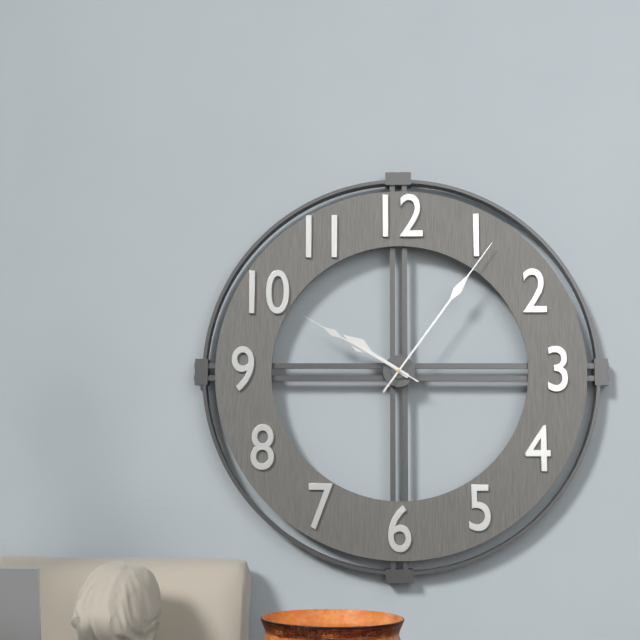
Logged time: h=10 m=6 s=50
